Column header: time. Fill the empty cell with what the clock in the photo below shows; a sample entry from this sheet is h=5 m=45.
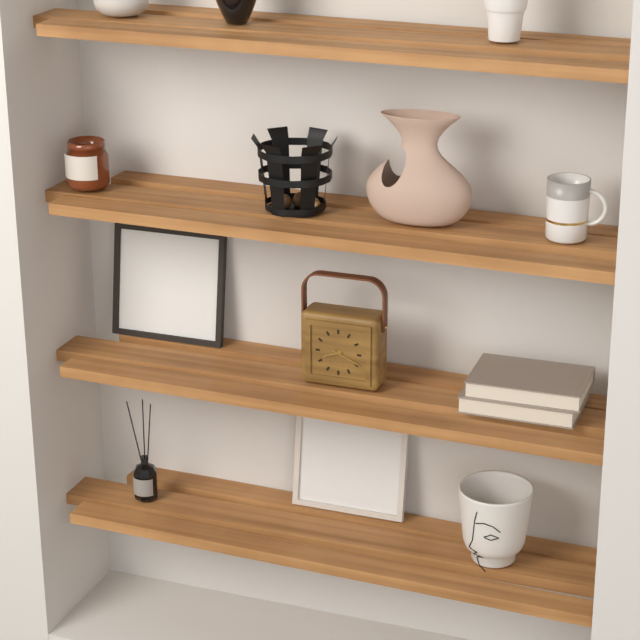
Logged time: h=8 m=19
